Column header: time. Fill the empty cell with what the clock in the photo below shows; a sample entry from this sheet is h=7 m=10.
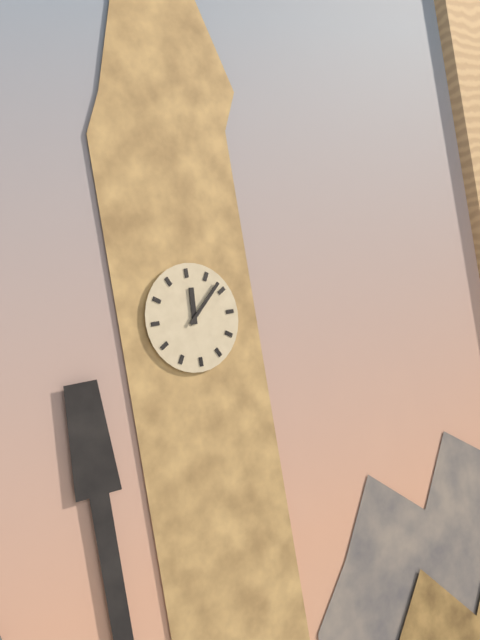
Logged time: h=12 m=8
